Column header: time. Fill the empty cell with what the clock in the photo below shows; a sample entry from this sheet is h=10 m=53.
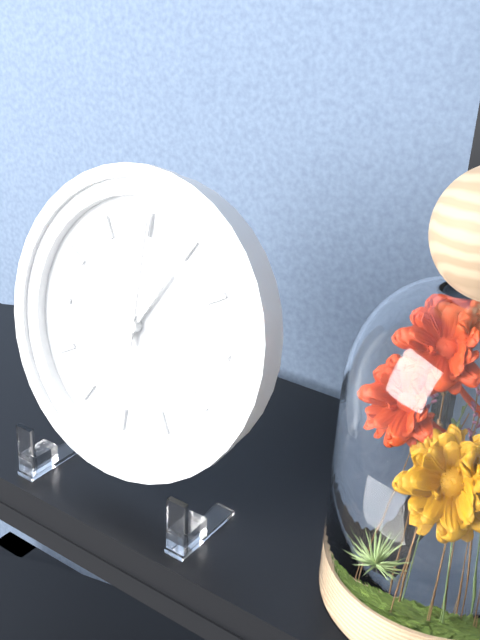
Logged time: h=1 m=0
